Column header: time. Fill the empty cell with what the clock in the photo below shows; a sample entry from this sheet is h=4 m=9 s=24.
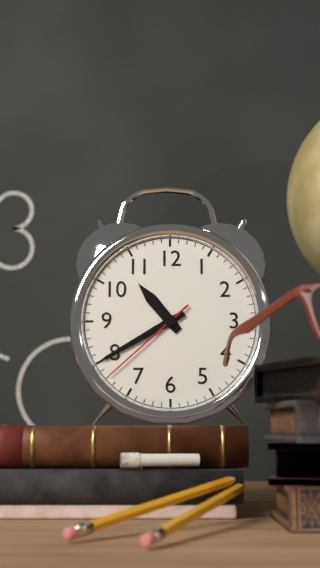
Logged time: h=10 m=40 s=38
